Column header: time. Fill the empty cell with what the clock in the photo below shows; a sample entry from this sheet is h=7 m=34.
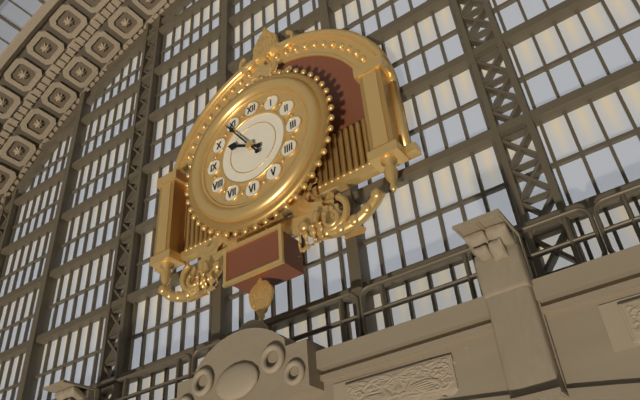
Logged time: h=9 m=54
